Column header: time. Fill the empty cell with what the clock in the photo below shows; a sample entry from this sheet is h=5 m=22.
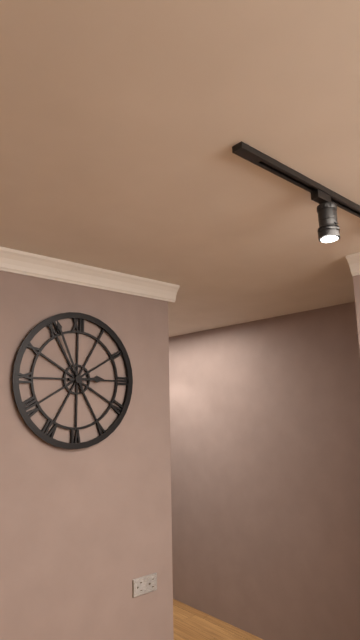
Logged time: h=2 m=56
